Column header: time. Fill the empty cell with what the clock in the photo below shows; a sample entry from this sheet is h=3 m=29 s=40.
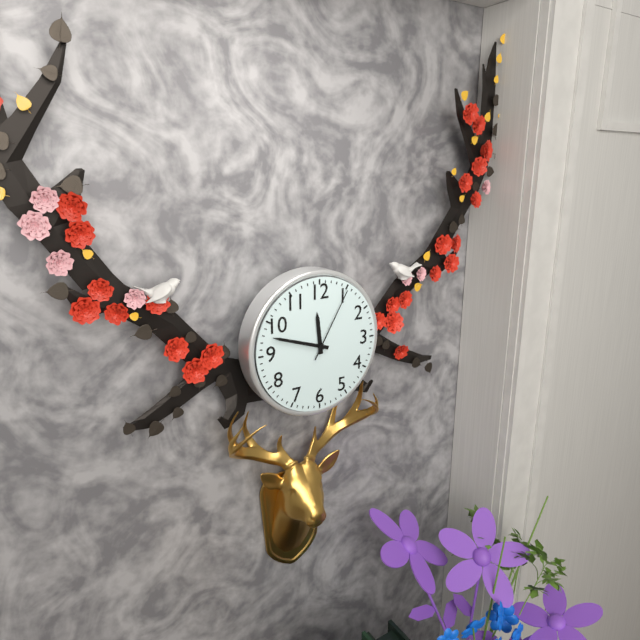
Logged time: h=11 m=48 s=5
